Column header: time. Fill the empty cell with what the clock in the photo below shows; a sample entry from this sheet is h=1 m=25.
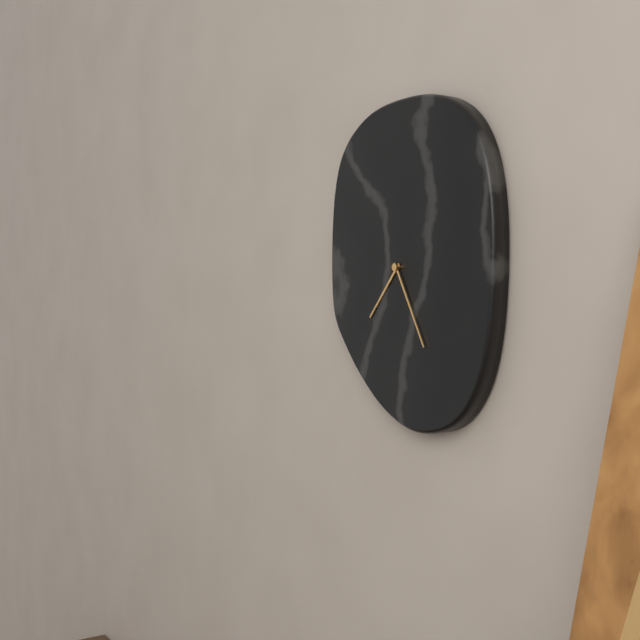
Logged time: h=7 m=25
